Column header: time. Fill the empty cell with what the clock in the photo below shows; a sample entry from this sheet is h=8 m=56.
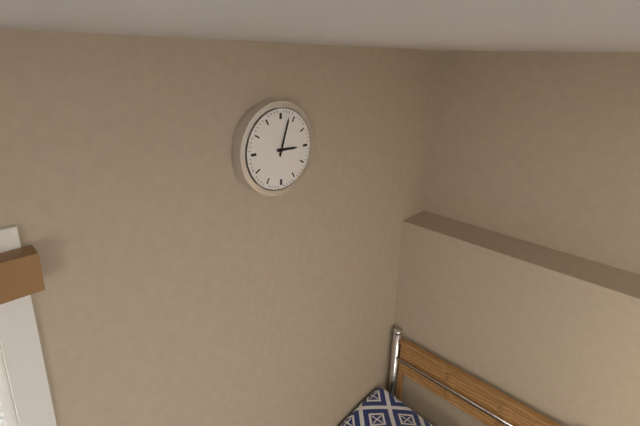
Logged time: h=3 m=3
